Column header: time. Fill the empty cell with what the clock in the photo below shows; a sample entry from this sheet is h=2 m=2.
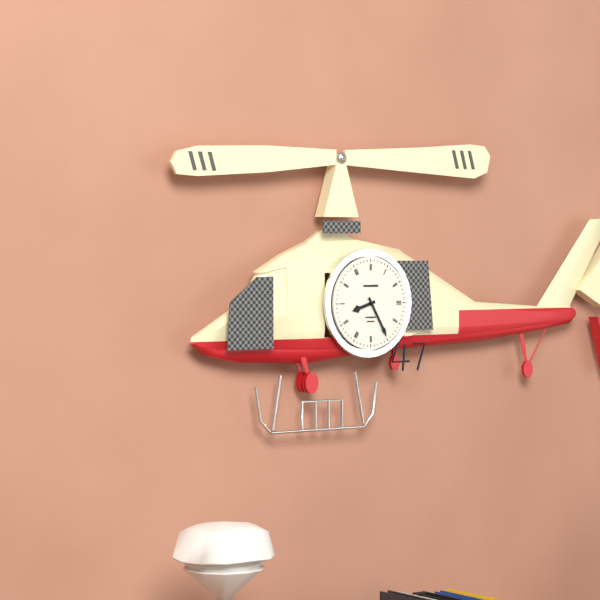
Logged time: h=8 m=25
